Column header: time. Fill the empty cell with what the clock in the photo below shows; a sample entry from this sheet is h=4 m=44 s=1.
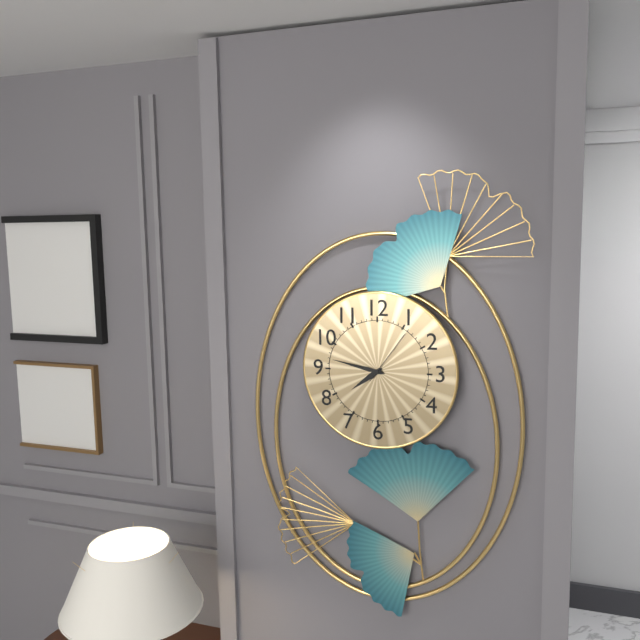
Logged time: h=7 m=47 s=6
